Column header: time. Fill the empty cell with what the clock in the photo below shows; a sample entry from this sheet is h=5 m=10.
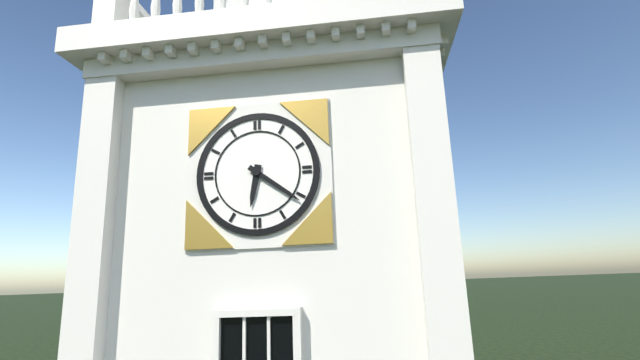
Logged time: h=6 m=21
